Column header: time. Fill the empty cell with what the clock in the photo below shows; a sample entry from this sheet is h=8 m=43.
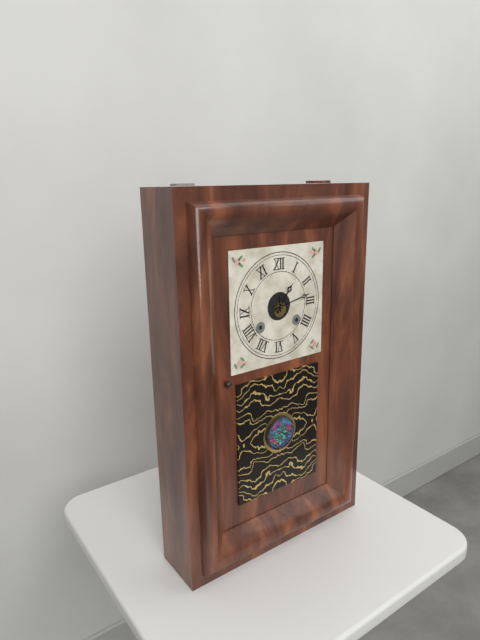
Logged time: h=1 m=13
